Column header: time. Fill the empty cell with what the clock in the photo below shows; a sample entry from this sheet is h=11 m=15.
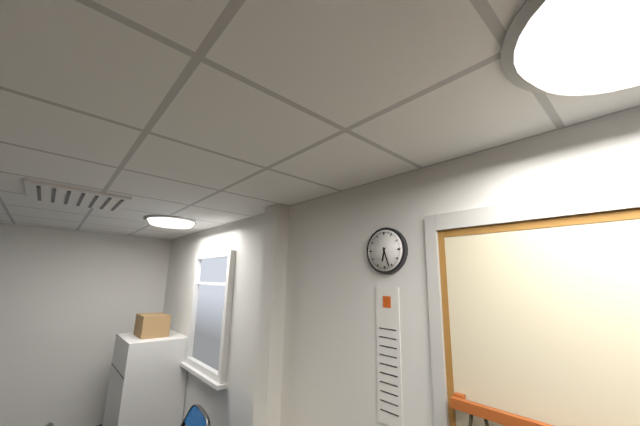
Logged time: h=6 m=27
